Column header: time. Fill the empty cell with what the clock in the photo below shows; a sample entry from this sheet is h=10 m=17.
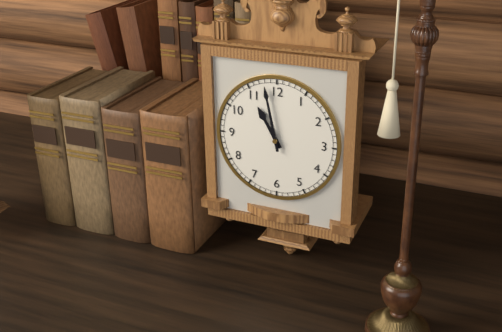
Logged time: h=10 m=58
